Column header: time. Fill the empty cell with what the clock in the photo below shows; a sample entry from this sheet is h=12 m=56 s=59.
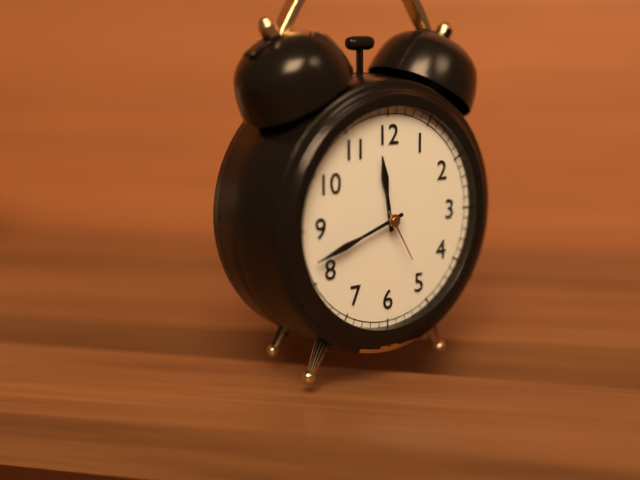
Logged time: h=11 m=42 s=25
